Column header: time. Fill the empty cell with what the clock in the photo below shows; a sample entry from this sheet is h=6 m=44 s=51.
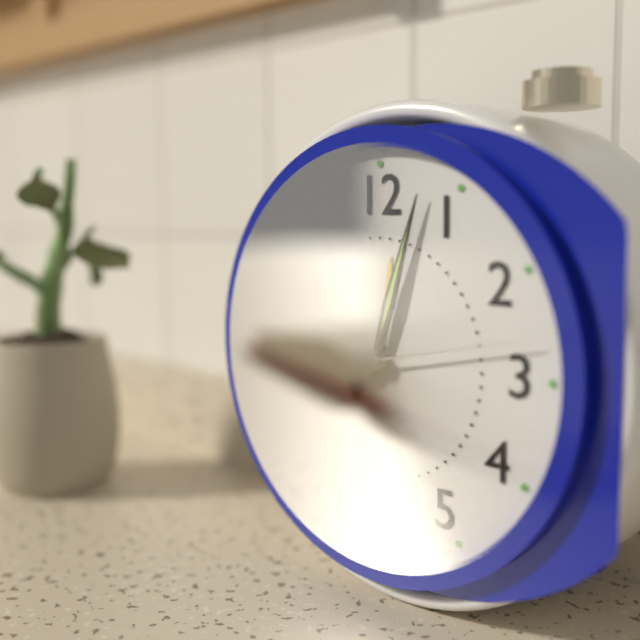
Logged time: h=7 m=3 s=13
